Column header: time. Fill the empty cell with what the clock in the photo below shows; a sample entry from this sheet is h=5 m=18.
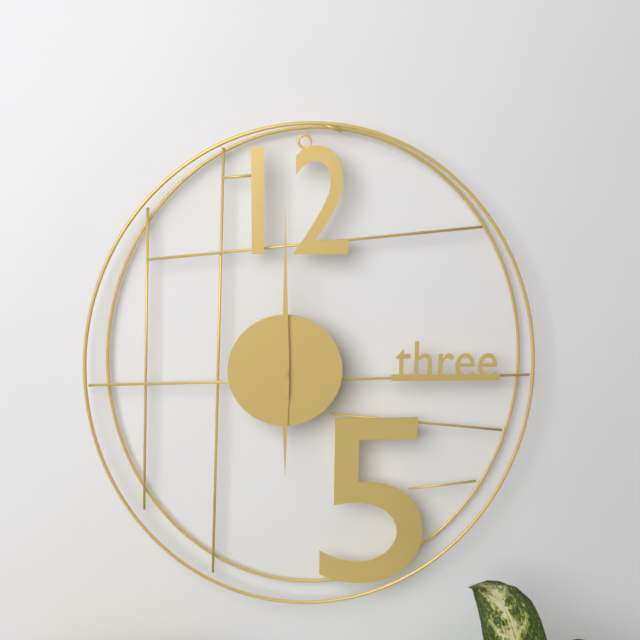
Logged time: h=6 m=0
